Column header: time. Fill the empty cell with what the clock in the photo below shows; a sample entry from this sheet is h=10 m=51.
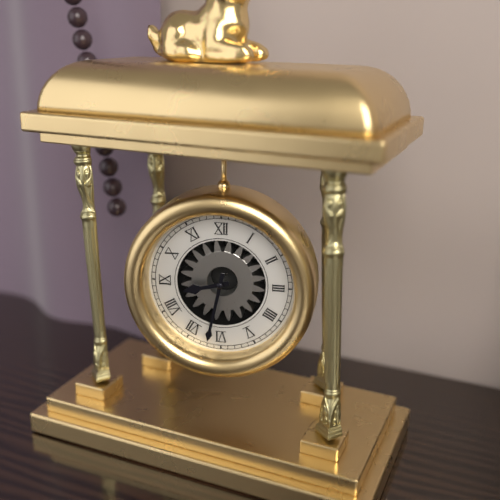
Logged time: h=8 m=32
